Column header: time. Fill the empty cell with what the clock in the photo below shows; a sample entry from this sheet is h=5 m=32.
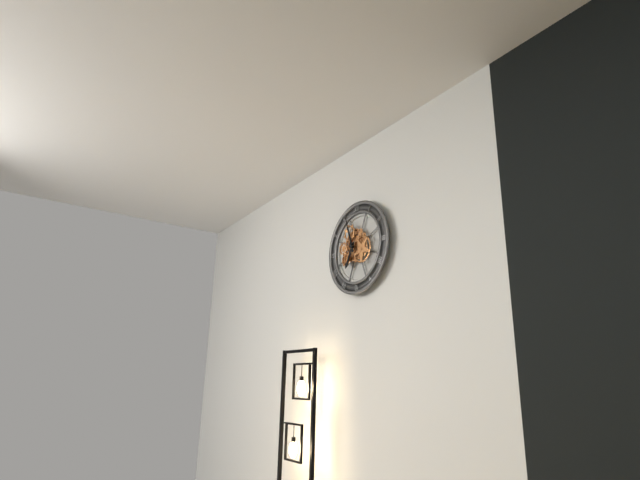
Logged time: h=6 m=57
